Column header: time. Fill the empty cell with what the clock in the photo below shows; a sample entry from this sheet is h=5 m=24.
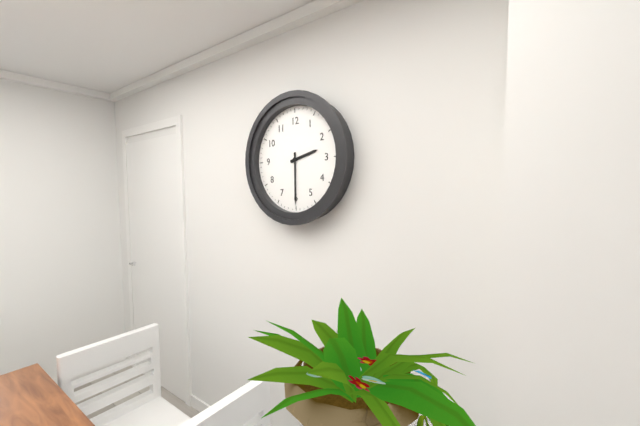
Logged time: h=2 m=30
